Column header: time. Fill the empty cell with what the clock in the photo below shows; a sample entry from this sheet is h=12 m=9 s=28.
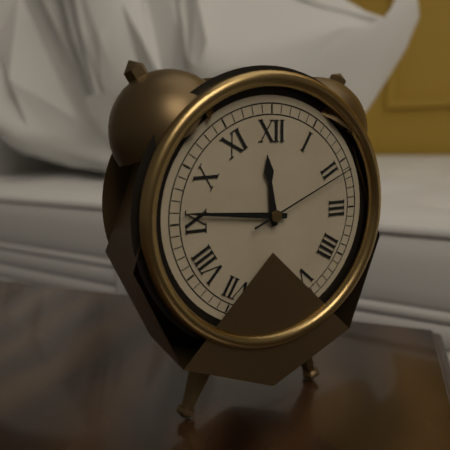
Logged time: h=11 m=46 s=11
